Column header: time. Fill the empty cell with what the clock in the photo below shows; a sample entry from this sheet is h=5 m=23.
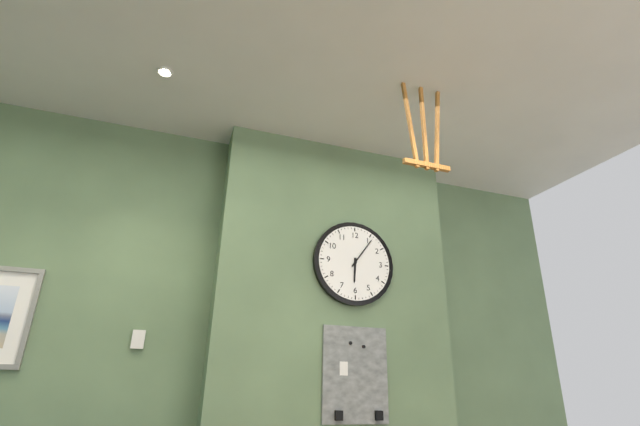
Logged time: h=6 m=6
